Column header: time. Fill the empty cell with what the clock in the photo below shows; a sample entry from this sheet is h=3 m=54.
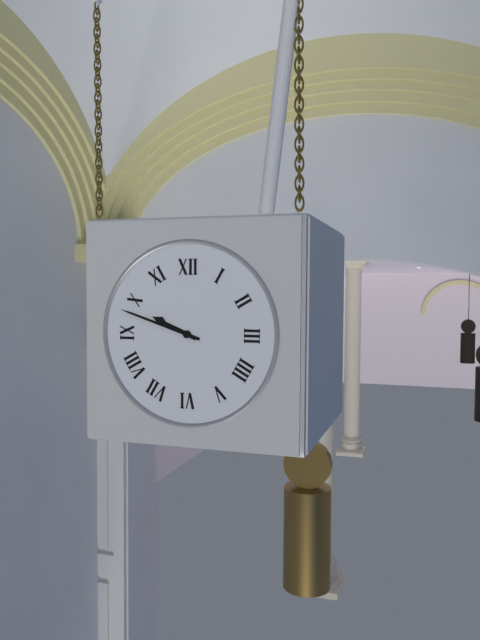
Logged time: h=9 m=48
